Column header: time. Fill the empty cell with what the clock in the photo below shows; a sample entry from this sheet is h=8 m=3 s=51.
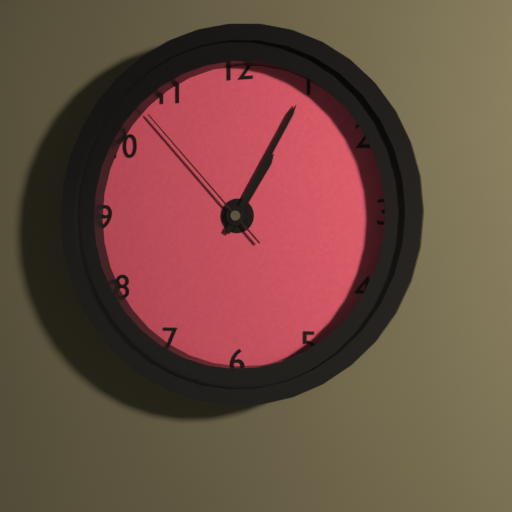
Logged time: h=1 m=5 s=53
